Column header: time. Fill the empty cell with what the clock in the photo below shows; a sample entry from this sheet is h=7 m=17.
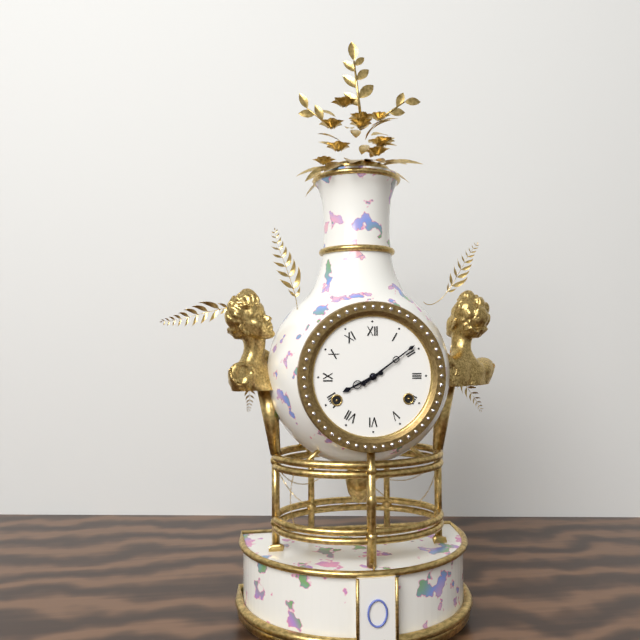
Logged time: h=8 m=9
